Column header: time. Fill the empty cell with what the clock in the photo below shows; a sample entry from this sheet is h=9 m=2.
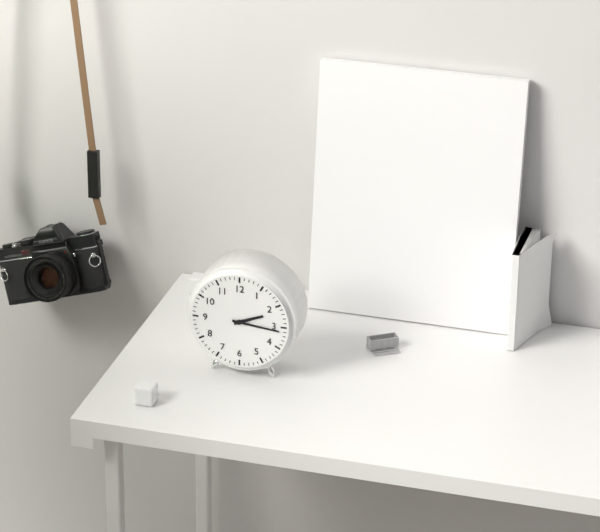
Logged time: h=2 m=16
